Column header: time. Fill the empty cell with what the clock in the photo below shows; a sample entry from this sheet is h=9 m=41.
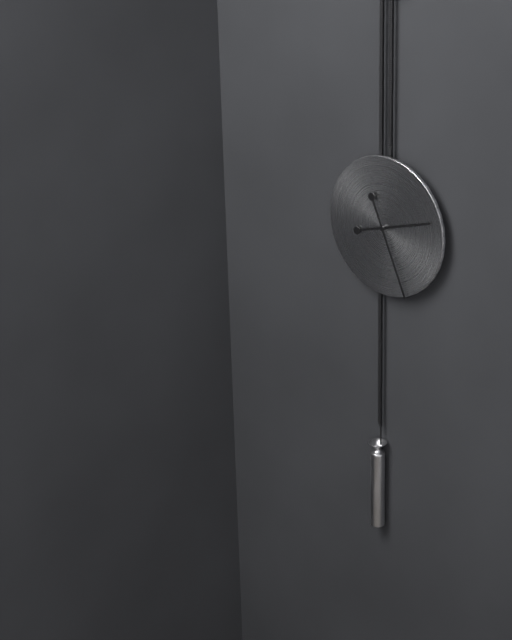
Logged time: h=2 m=26
